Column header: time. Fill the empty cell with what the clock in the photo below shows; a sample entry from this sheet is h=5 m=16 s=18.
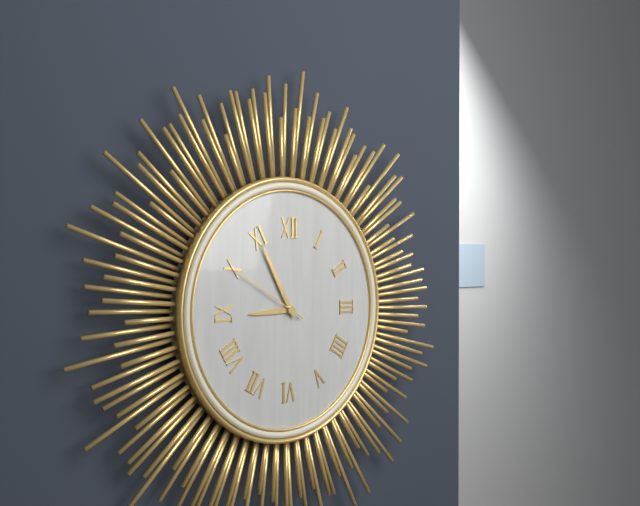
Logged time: h=8 m=55 s=50
